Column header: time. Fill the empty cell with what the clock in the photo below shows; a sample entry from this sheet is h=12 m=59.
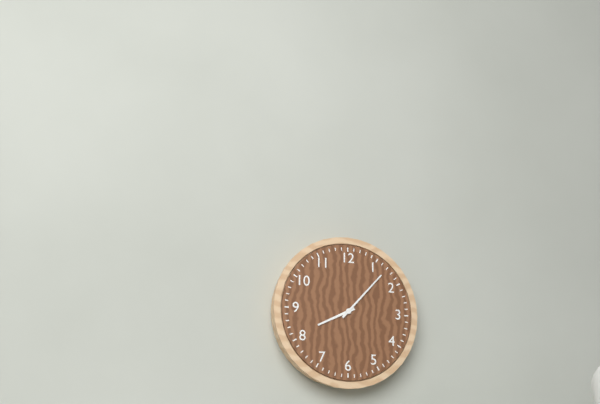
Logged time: h=8 m=7
